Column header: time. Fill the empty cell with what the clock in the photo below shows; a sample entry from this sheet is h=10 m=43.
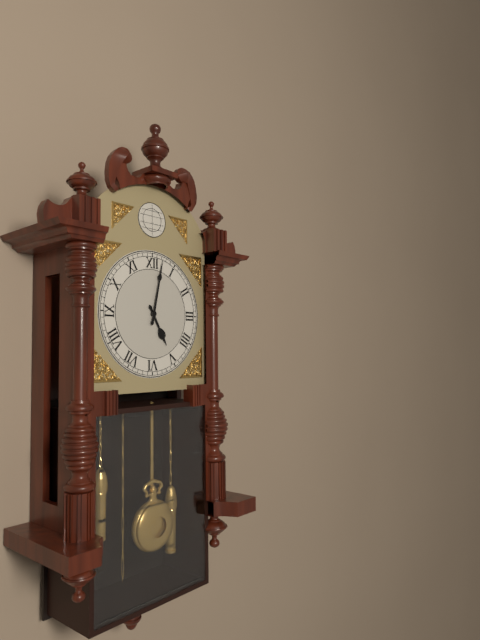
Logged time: h=5 m=2
